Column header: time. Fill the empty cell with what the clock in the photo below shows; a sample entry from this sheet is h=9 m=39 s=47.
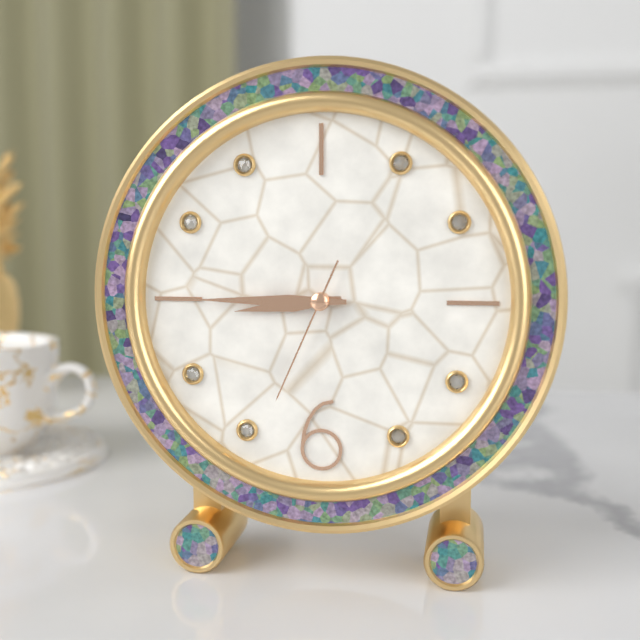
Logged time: h=8 m=45 s=34
